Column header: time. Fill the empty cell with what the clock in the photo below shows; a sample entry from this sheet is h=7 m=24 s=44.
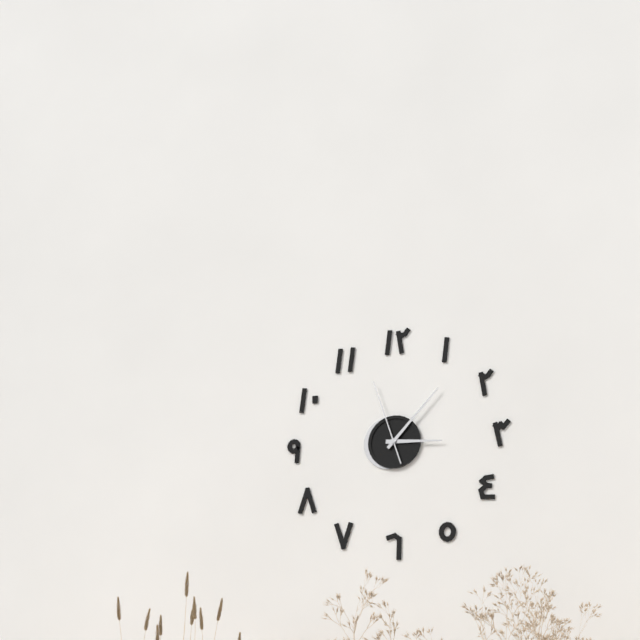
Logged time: h=3 m=7 s=57
